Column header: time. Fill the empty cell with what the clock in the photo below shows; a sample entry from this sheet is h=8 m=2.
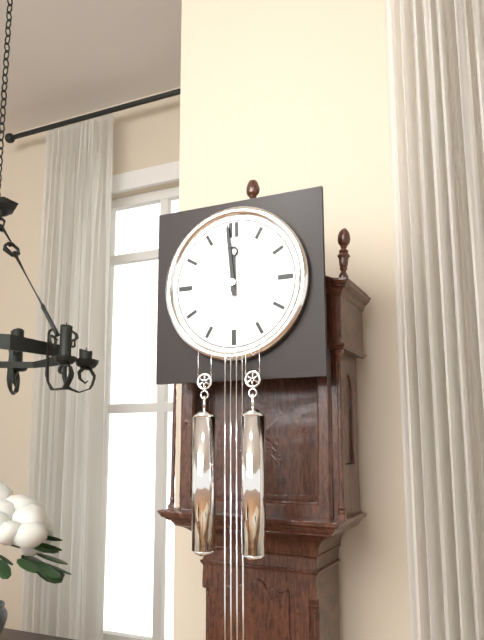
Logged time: h=11 m=59
